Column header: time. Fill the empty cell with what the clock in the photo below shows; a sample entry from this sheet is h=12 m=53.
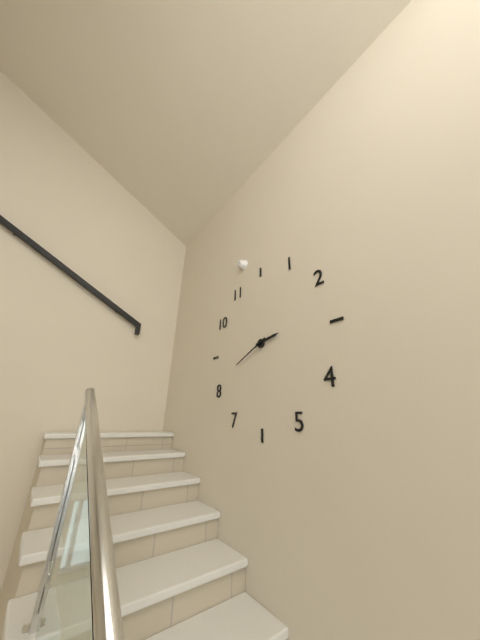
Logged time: h=2 m=41
